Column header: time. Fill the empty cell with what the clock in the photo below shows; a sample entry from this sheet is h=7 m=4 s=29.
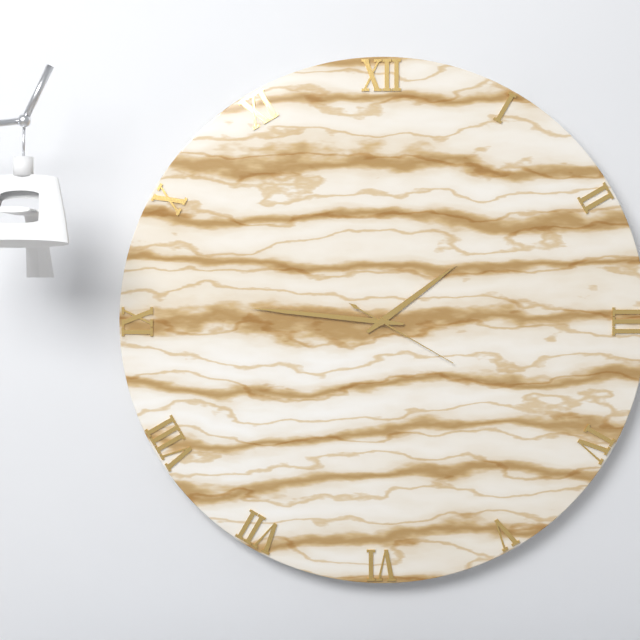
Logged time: h=1 m=46 s=20
